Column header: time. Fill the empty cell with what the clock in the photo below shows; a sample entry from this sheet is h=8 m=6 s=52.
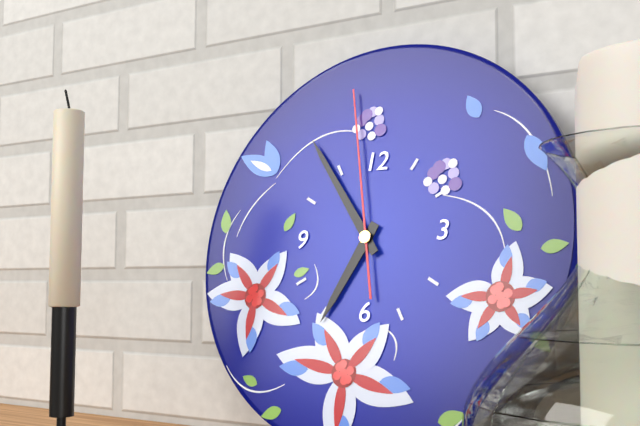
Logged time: h=6 m=54 s=58
